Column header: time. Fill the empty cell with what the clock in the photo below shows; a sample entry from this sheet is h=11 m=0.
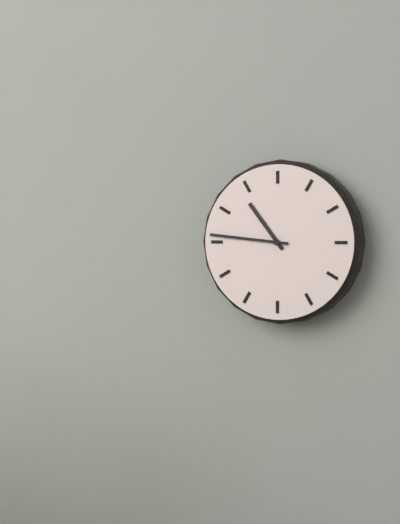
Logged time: h=10 m=46
